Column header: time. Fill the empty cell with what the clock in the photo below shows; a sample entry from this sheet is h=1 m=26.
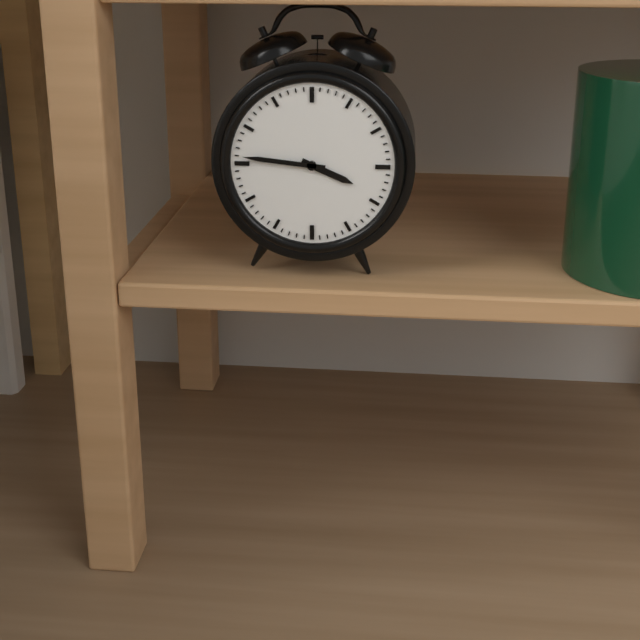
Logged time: h=3 m=46
